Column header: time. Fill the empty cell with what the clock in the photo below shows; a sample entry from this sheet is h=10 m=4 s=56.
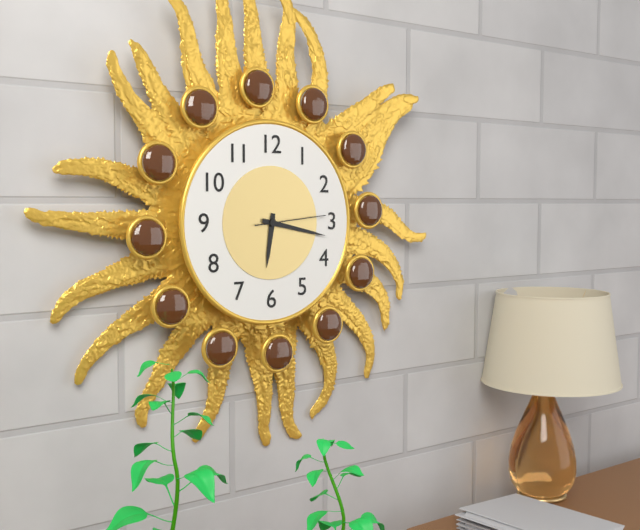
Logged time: h=6 m=17 s=14
